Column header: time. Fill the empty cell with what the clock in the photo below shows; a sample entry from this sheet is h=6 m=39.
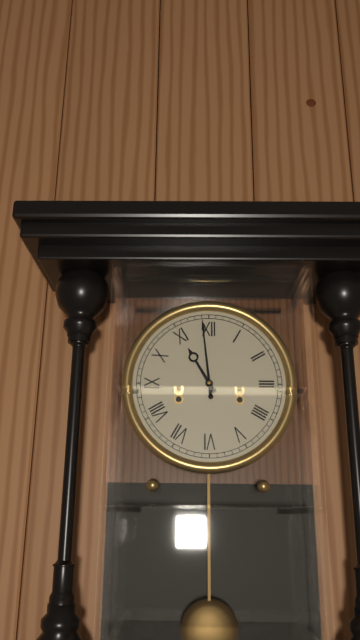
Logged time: h=10 m=59
